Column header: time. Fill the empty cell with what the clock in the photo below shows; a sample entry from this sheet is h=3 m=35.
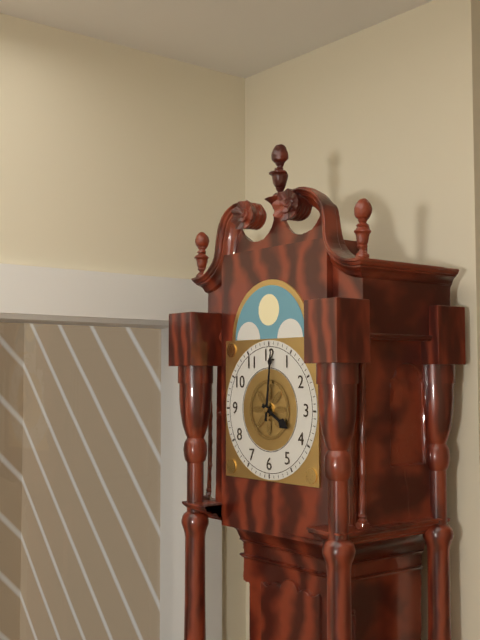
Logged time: h=4 m=1
